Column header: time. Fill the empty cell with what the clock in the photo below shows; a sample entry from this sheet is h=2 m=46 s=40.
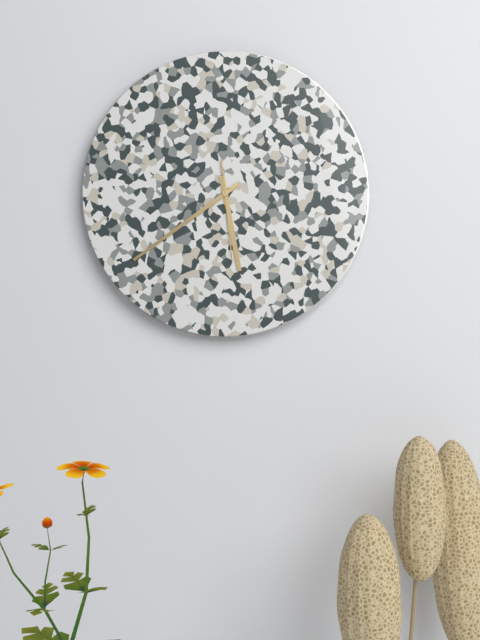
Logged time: h=5 m=39 s=29
